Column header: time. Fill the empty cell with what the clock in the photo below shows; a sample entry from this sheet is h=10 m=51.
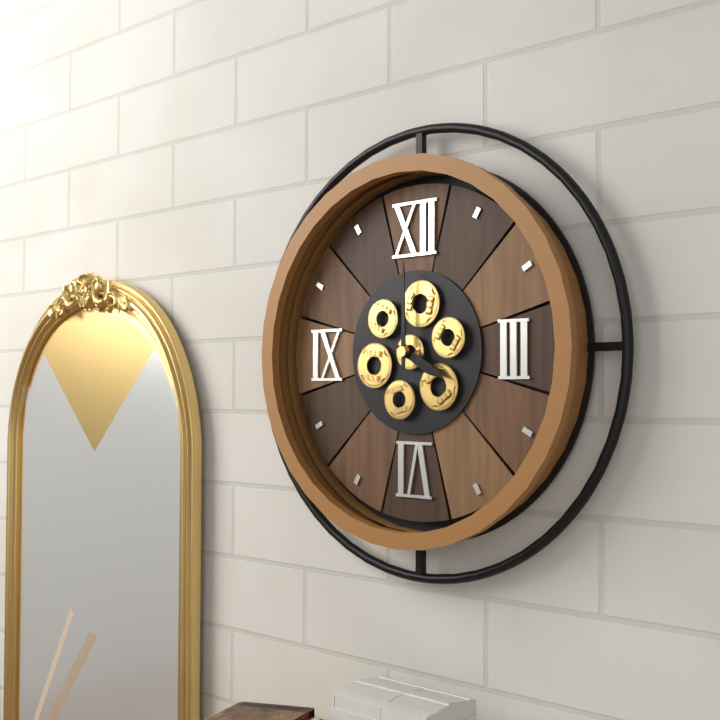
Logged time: h=4 m=0
